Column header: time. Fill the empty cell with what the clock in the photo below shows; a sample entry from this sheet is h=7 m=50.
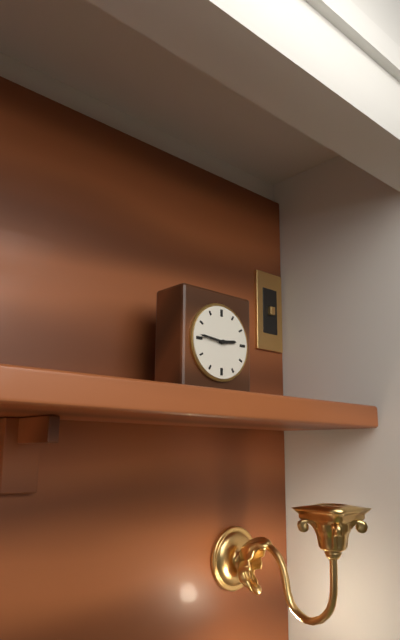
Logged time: h=2 m=46
